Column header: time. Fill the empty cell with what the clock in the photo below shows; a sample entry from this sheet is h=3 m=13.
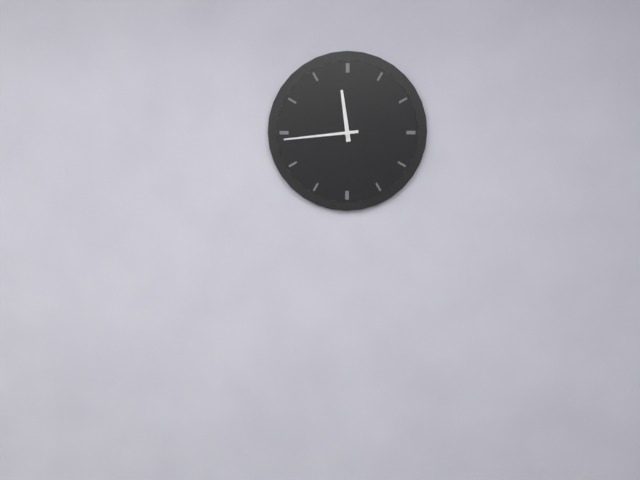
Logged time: h=11 m=44
